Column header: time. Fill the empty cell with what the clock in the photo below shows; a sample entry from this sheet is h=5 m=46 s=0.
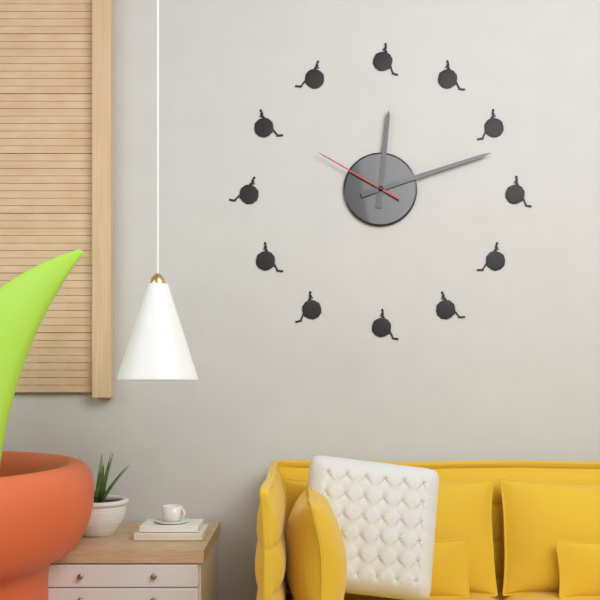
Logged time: h=12 m=12 s=50
